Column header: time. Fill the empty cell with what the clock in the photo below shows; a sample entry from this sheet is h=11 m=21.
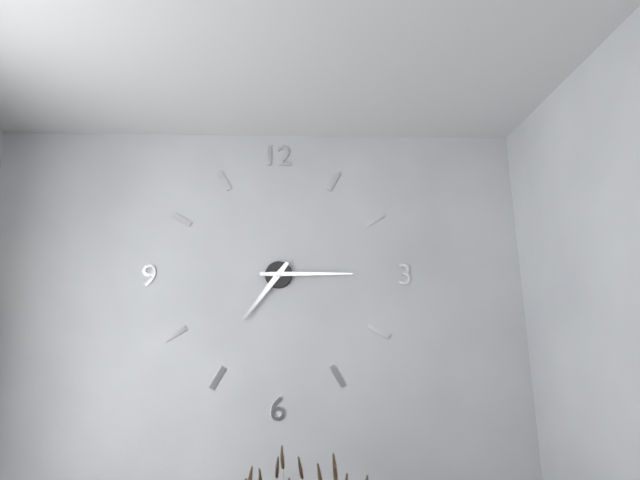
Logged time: h=7 m=15
